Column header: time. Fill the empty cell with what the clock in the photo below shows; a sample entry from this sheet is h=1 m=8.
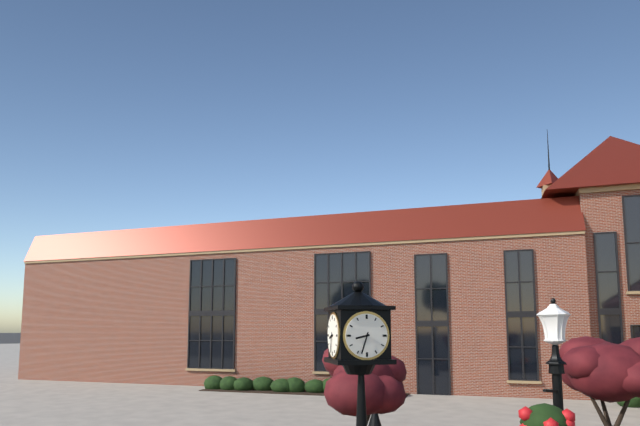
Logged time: h=8 m=33
